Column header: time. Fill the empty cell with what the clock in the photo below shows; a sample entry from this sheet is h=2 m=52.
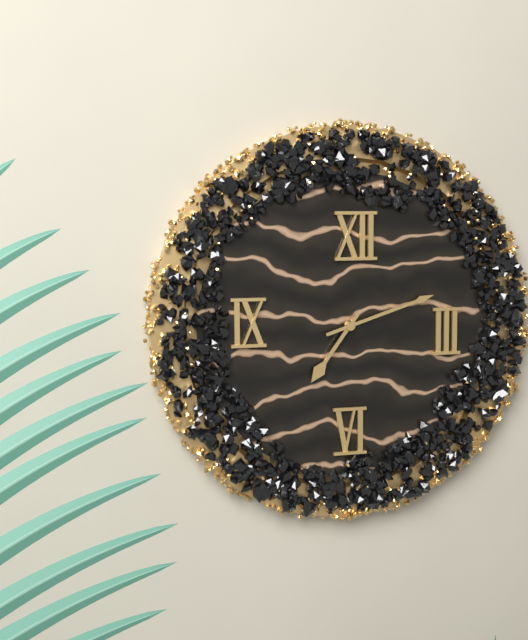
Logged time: h=7 m=12
